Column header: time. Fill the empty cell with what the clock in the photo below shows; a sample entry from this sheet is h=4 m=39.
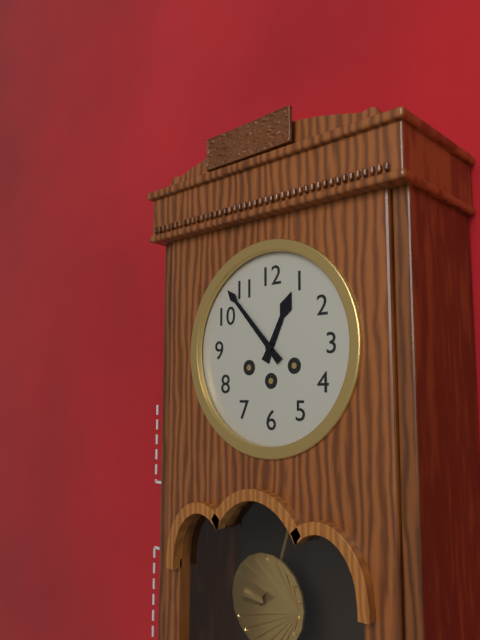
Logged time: h=12 m=53
